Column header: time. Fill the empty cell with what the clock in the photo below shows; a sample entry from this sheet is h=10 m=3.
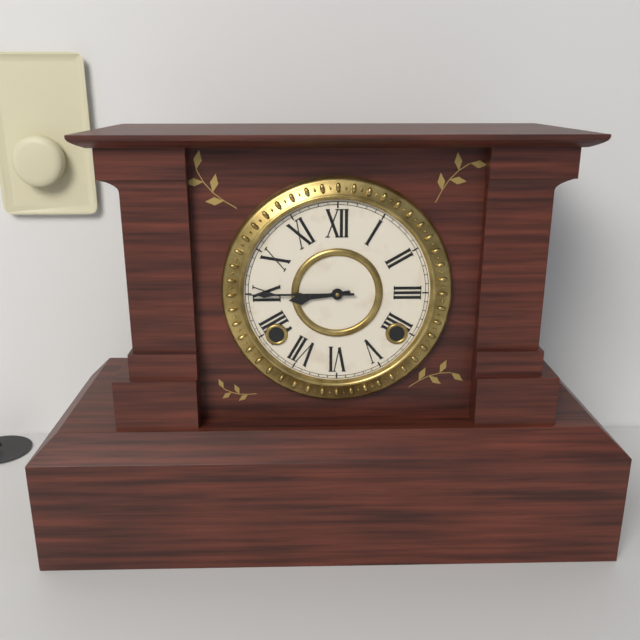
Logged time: h=8 m=45
